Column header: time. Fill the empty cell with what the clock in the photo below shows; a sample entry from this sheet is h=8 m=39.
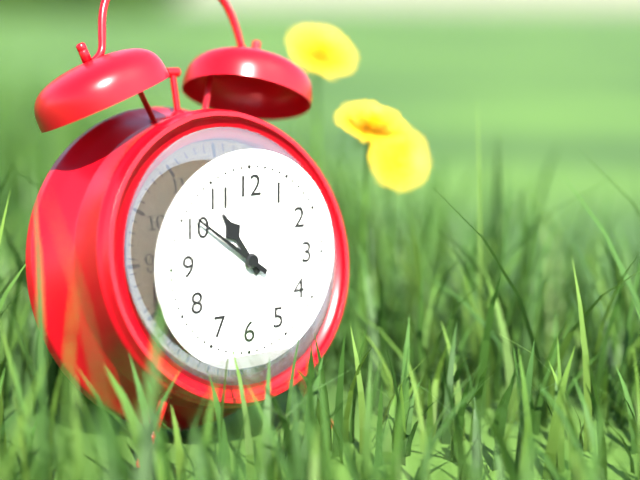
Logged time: h=10 m=51
